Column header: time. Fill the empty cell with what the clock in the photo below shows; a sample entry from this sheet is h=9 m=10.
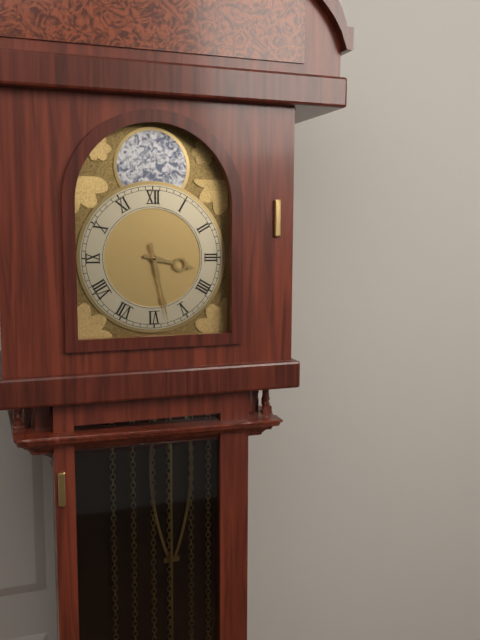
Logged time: h=3 m=28
